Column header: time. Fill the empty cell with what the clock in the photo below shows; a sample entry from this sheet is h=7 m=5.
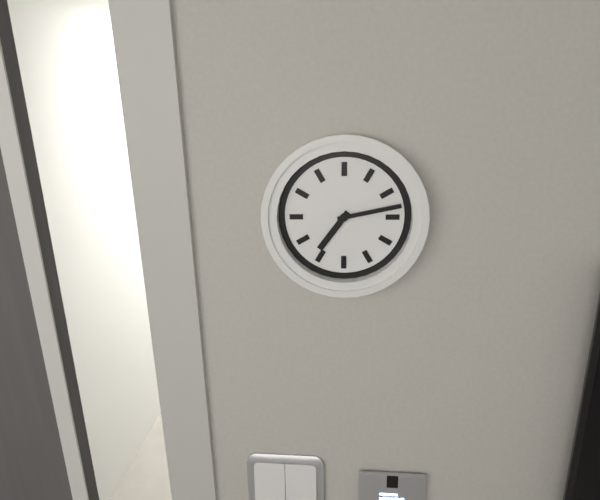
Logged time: h=7 m=13
